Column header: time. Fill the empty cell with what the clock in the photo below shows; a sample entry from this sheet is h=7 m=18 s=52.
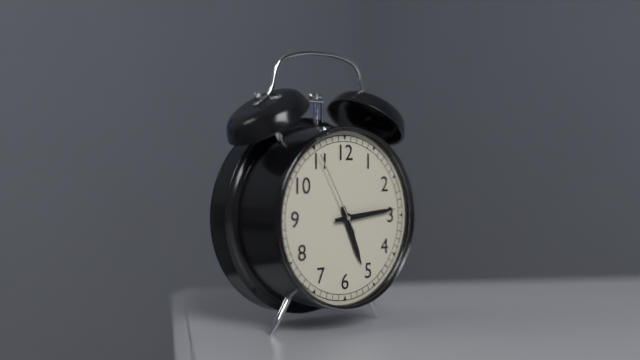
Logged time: h=5 m=14 s=55
